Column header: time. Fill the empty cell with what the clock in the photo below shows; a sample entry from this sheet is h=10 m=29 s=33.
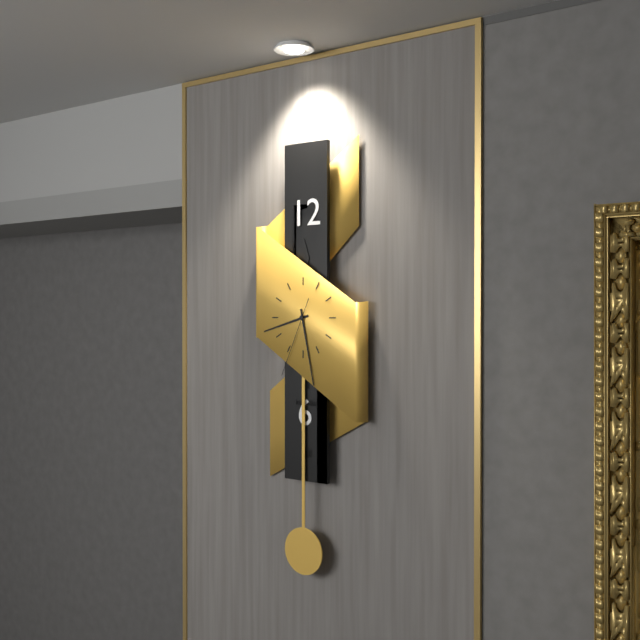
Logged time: h=8 m=28 s=34
